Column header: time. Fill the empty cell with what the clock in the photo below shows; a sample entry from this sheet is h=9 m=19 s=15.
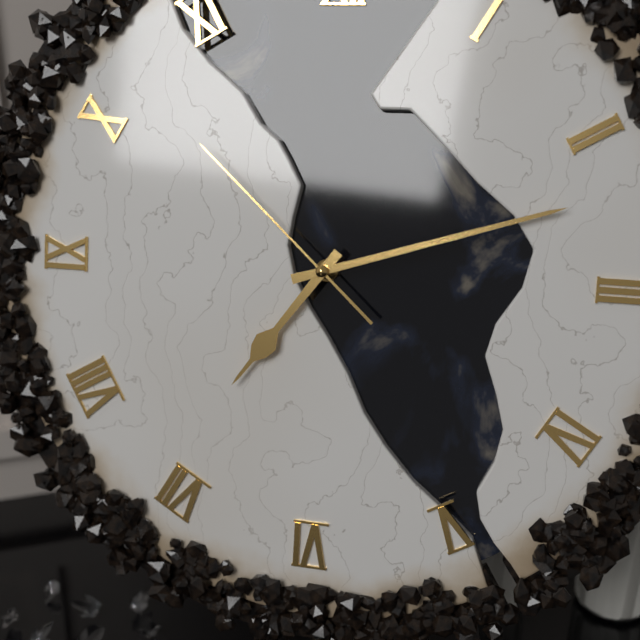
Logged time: h=7 m=12 s=52
